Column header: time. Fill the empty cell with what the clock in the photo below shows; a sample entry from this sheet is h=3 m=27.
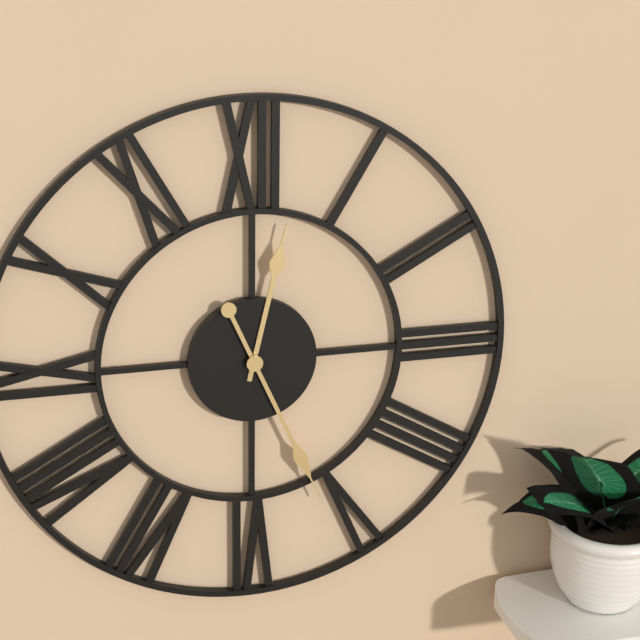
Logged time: h=12 m=26
